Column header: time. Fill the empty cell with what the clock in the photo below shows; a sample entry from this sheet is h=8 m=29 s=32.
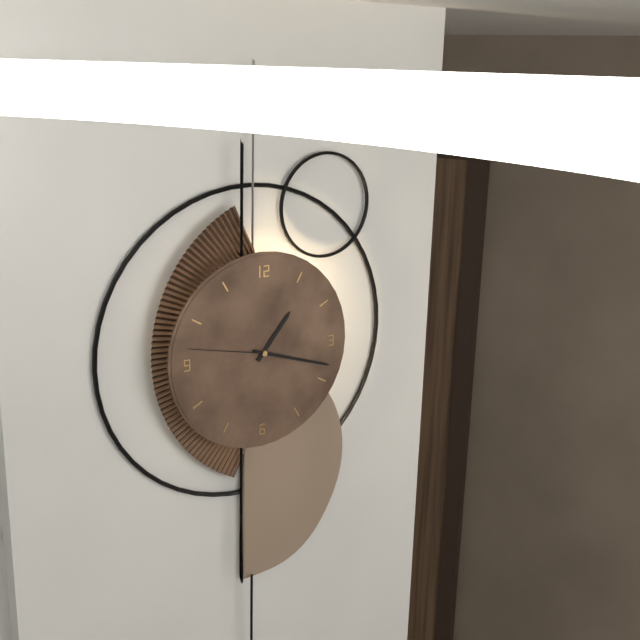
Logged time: h=1 m=18 s=47
